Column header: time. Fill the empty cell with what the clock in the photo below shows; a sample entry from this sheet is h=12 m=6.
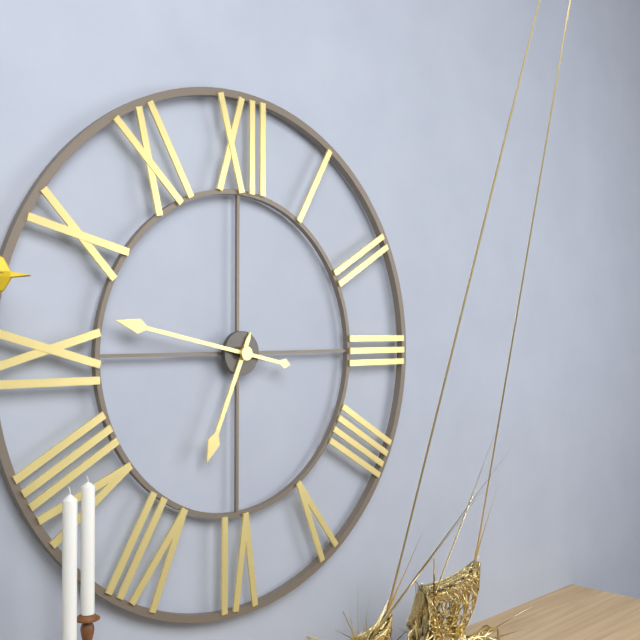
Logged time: h=6 m=47
